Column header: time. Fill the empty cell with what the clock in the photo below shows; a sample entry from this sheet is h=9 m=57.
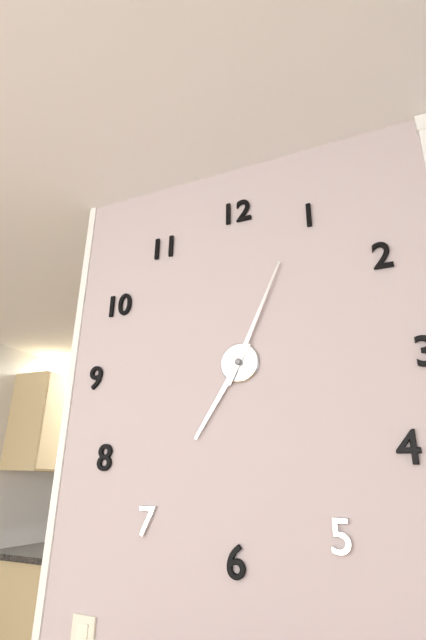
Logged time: h=7 m=4
